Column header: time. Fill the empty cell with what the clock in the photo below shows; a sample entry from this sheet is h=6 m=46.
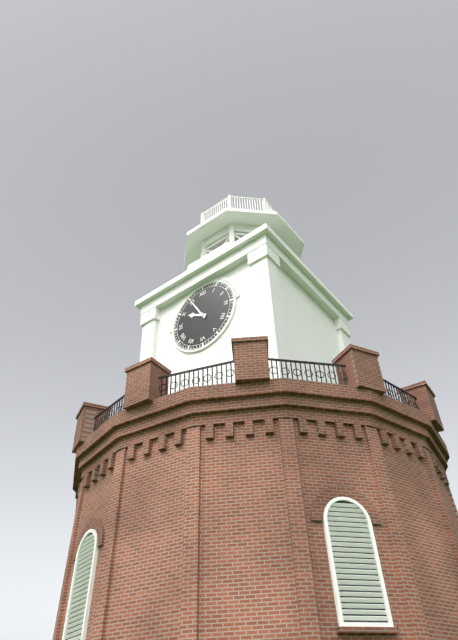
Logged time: h=9 m=55
